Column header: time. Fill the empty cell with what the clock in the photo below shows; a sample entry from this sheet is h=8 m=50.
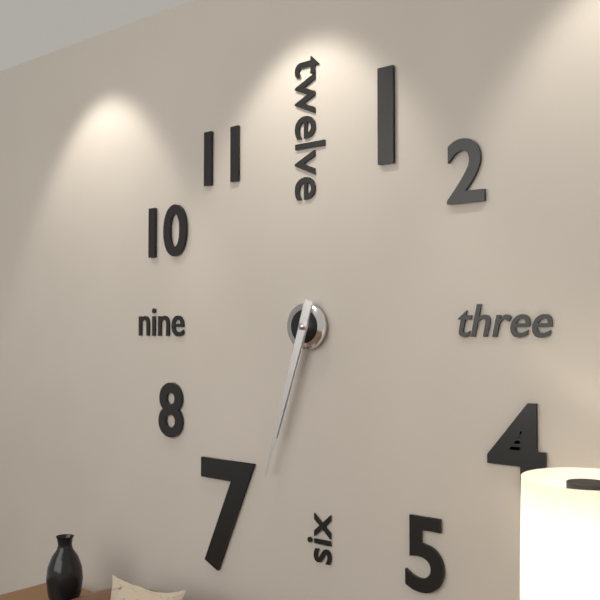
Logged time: h=6 m=33
